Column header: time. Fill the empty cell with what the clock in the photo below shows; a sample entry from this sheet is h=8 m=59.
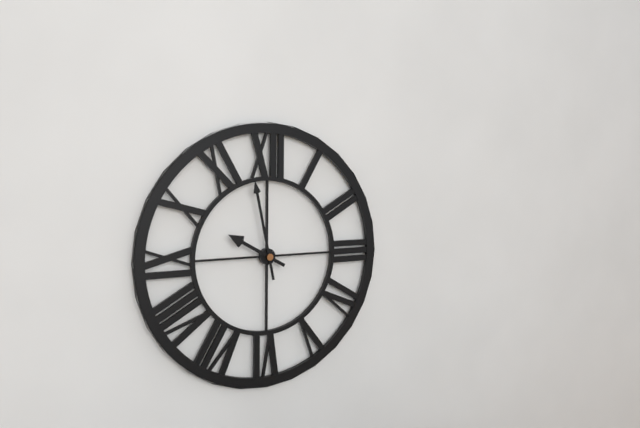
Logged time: h=9 m=58
